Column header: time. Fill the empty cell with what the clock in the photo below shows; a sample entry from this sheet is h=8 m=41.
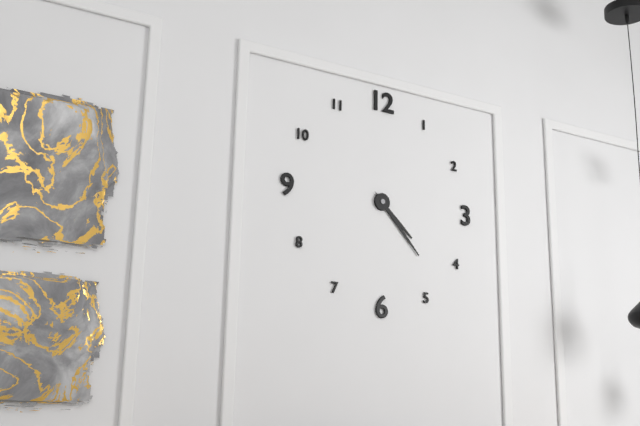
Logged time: h=4 m=23
